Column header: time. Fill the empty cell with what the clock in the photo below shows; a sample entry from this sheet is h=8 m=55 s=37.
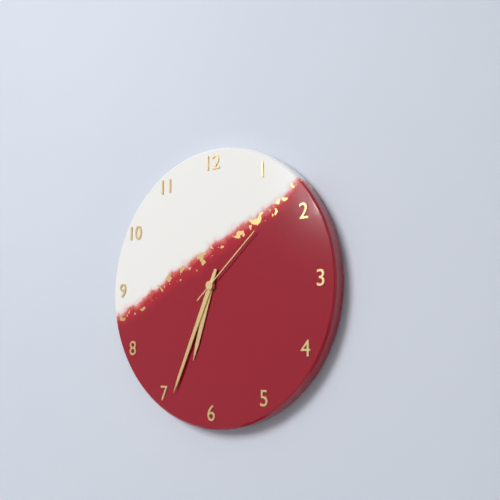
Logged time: h=6 m=34 s=8
